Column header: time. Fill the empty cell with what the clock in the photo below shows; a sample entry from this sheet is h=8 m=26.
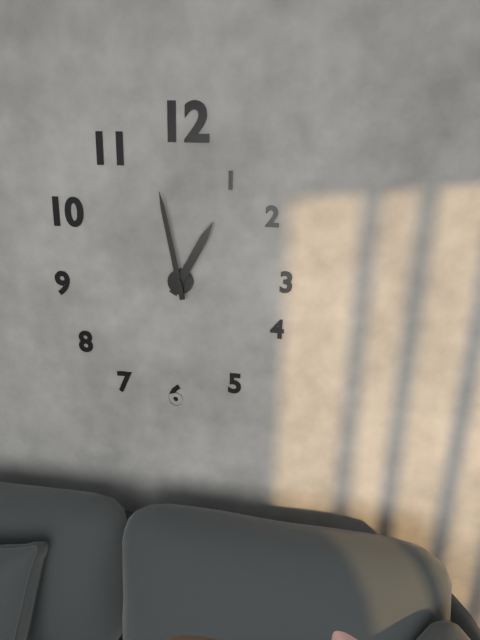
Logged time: h=12 m=58
